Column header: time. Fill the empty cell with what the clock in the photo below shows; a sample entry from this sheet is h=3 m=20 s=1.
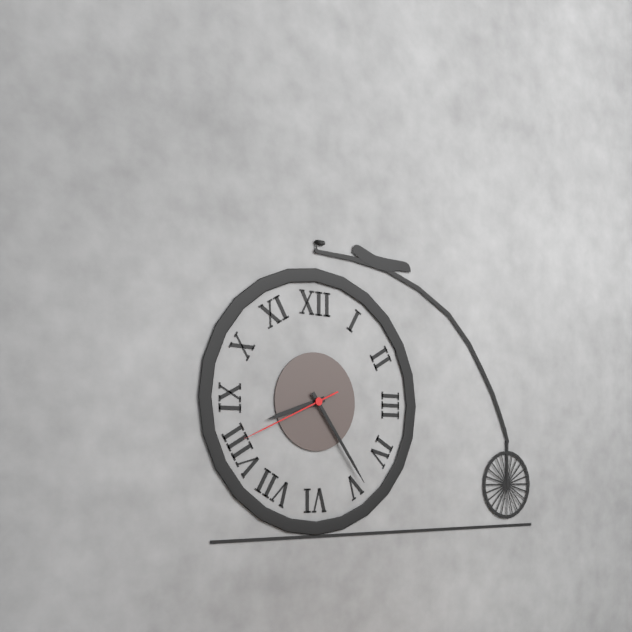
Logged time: h=8 m=24 s=41
